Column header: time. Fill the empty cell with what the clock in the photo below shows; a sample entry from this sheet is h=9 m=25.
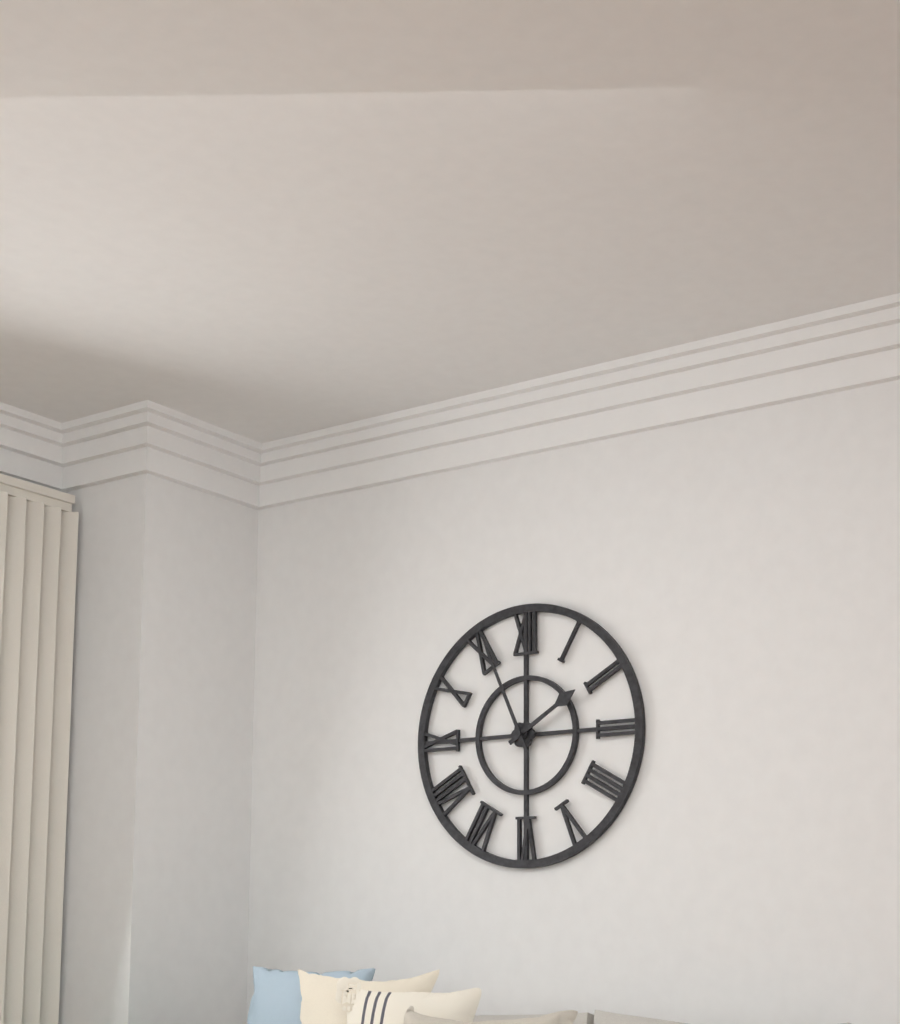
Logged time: h=1 m=56
